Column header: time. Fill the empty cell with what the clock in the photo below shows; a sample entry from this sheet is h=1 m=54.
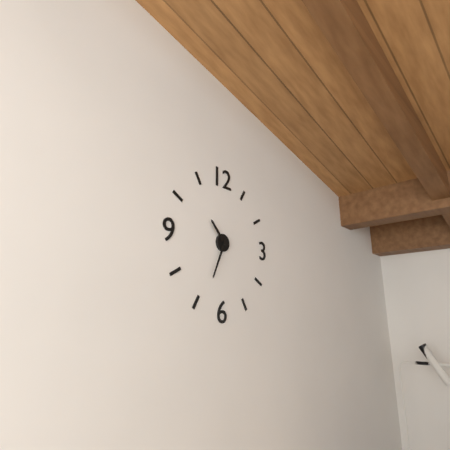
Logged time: h=10 m=34
